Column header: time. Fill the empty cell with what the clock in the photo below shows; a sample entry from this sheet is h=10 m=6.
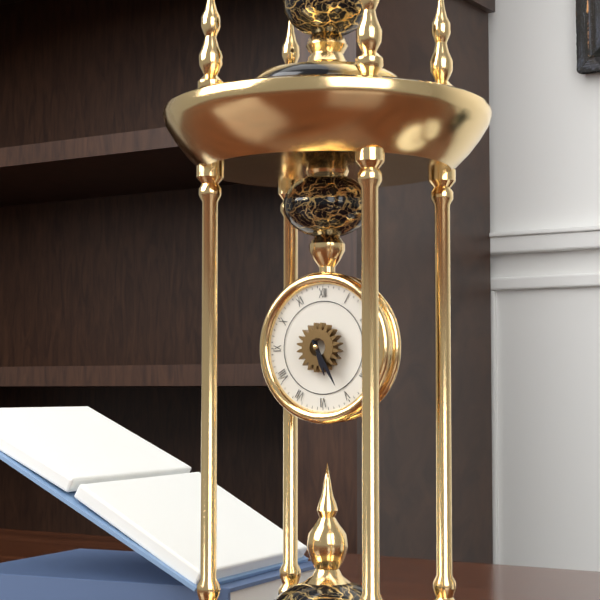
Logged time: h=5 m=25
